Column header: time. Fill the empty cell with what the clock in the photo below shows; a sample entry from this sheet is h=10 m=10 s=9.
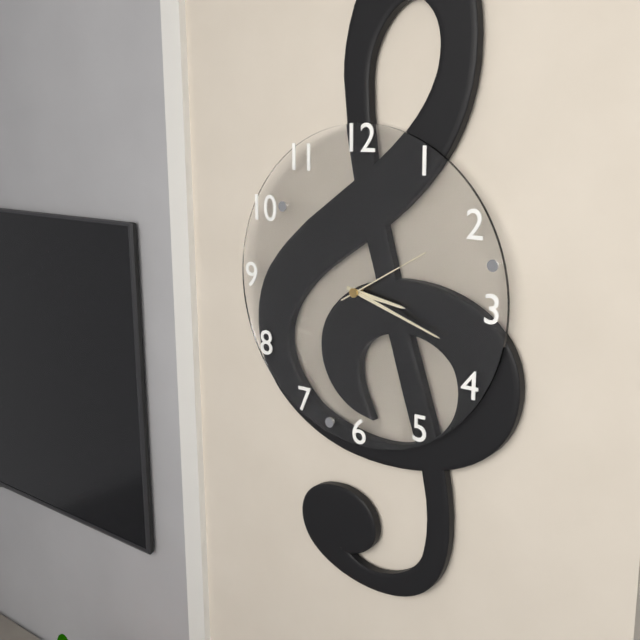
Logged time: h=3 m=18 s=10
